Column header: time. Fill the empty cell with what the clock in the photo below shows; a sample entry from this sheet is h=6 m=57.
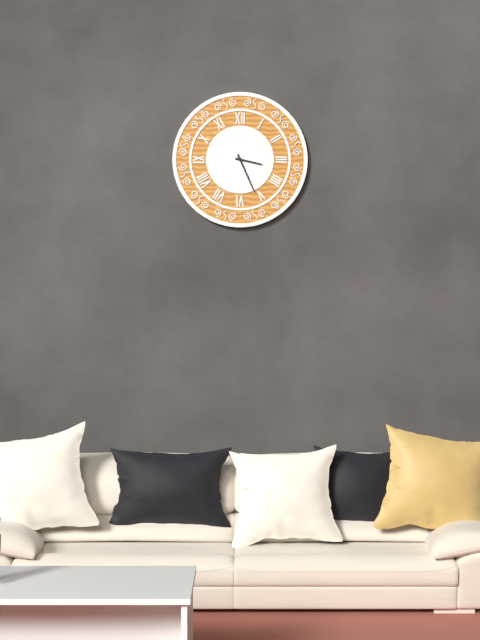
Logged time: h=3 m=26
